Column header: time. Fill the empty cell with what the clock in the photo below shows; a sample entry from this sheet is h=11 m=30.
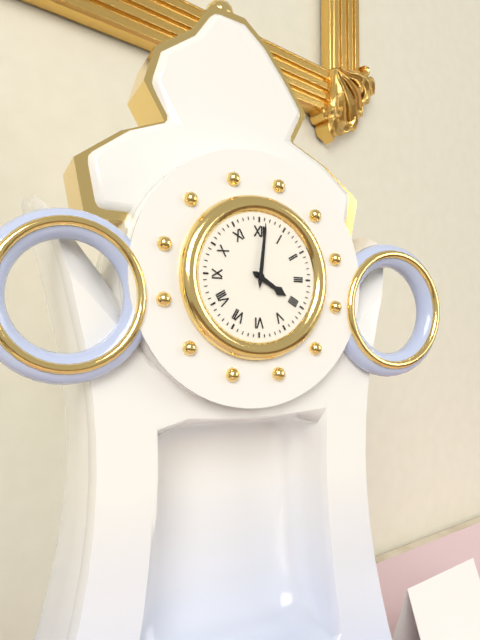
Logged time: h=4 m=1
